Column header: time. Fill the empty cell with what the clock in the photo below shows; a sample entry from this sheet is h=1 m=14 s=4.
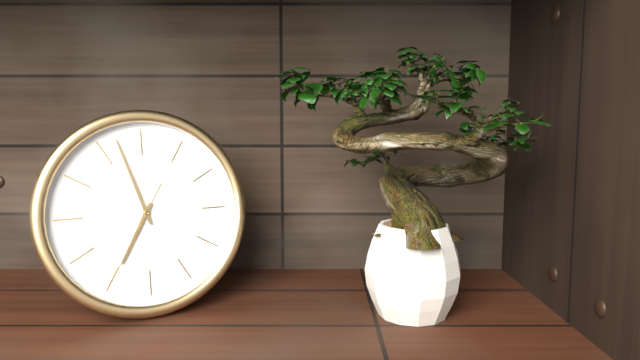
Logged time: h=6 m=57 s=35
